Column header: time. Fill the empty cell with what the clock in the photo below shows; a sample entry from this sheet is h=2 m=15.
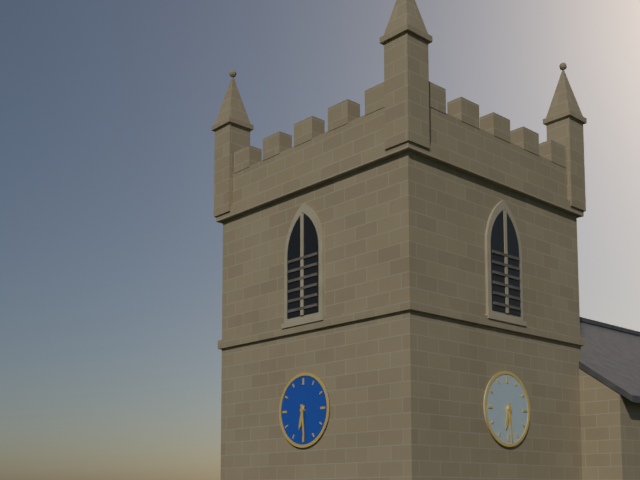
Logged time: h=6 m=29
